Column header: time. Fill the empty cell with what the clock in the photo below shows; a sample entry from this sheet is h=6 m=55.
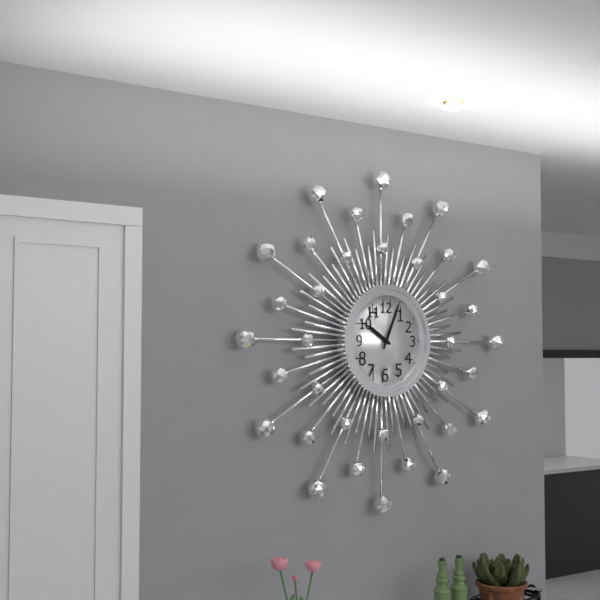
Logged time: h=10 m=4
